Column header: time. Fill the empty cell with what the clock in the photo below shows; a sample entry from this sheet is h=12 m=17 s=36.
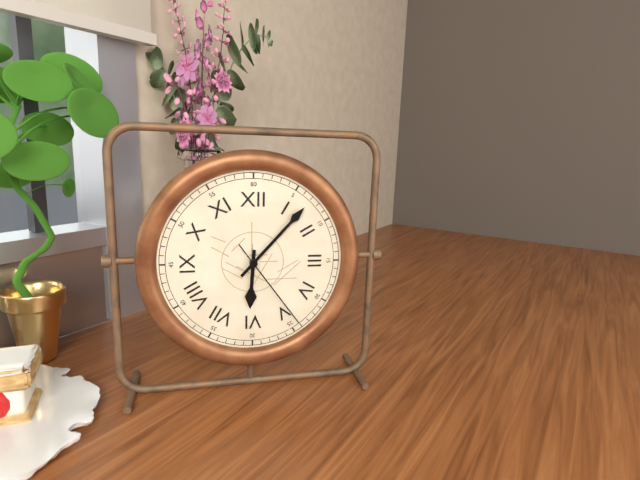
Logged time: h=6 m=7 s=24
